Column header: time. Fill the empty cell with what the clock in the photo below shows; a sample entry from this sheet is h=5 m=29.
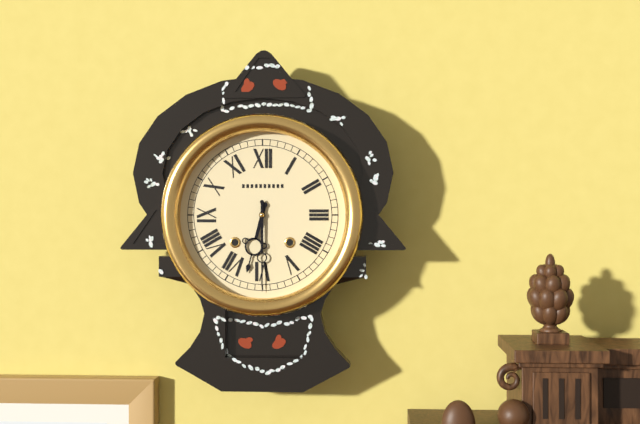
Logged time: h=6 m=30
